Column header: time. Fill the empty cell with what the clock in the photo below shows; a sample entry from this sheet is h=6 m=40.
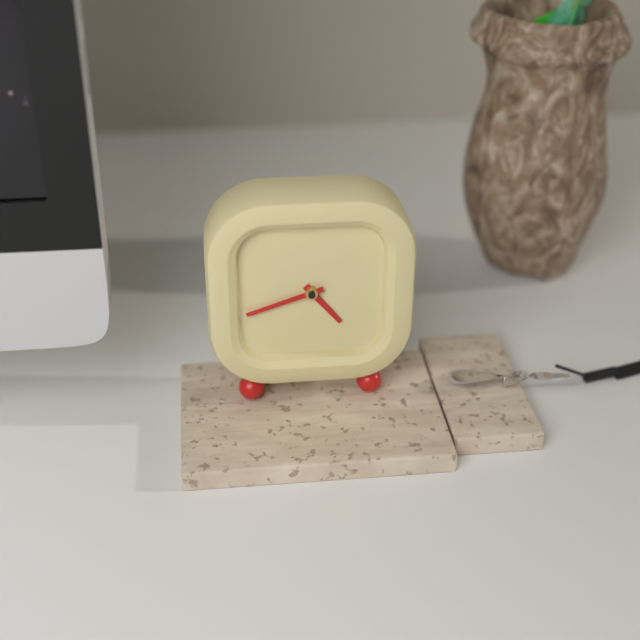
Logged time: h=4 m=42
